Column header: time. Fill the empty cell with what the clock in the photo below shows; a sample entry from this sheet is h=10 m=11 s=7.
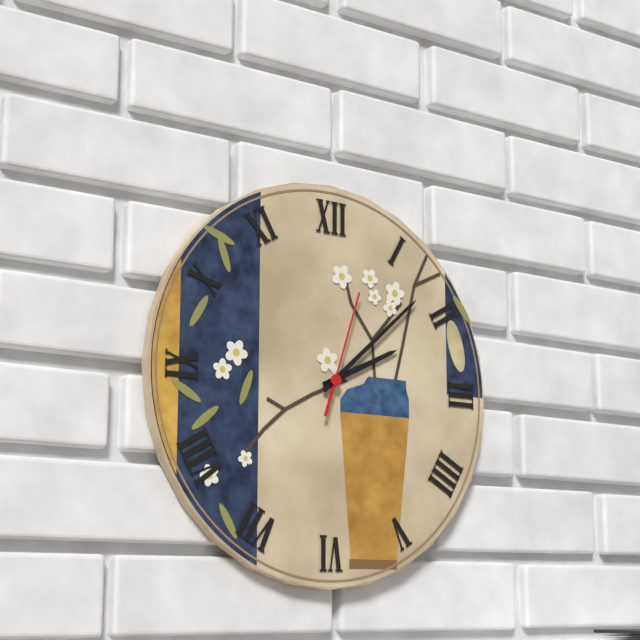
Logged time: h=2 m=8 s=3
